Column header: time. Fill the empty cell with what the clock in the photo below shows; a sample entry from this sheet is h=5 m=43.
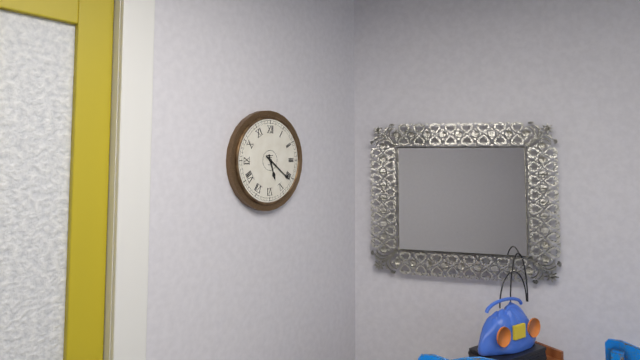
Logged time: h=5 m=21
